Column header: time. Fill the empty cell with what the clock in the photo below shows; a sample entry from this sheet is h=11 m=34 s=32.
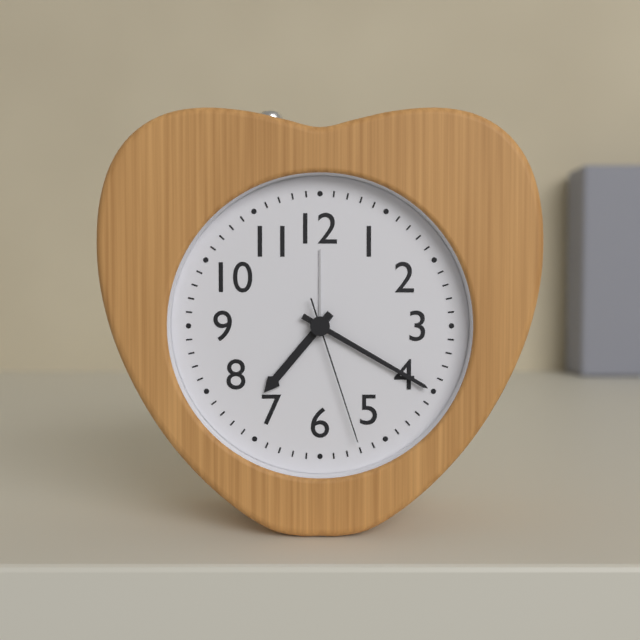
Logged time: h=7 m=20 s=27
